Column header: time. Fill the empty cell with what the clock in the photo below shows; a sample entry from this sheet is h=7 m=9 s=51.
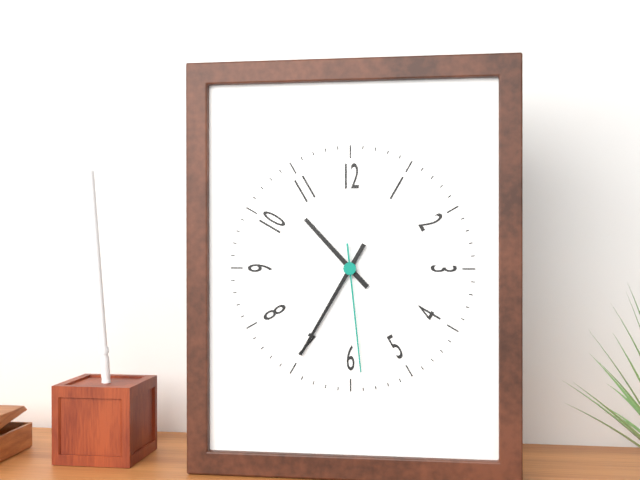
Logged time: h=10 m=35 s=29
